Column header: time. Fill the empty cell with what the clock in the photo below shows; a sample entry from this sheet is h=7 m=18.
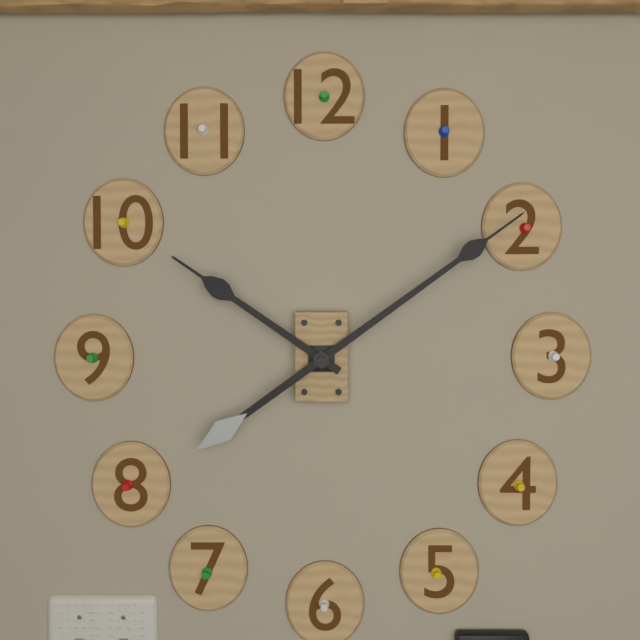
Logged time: h=10 m=9
